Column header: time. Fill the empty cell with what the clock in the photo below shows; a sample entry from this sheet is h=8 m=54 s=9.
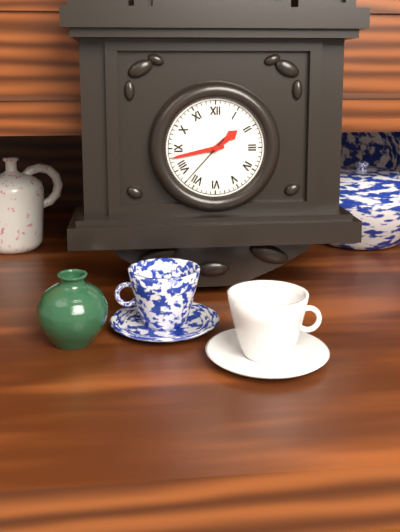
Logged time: h=1 m=43 s=37
